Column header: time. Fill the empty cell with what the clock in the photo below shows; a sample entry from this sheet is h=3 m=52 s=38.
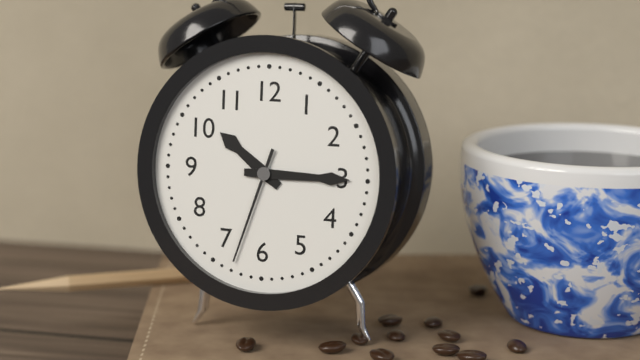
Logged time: h=10 m=15 s=33
